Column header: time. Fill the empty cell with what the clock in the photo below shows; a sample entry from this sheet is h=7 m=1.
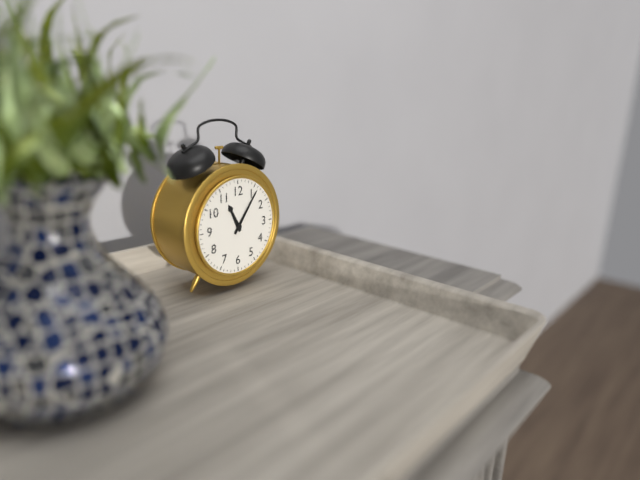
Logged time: h=11 m=6
